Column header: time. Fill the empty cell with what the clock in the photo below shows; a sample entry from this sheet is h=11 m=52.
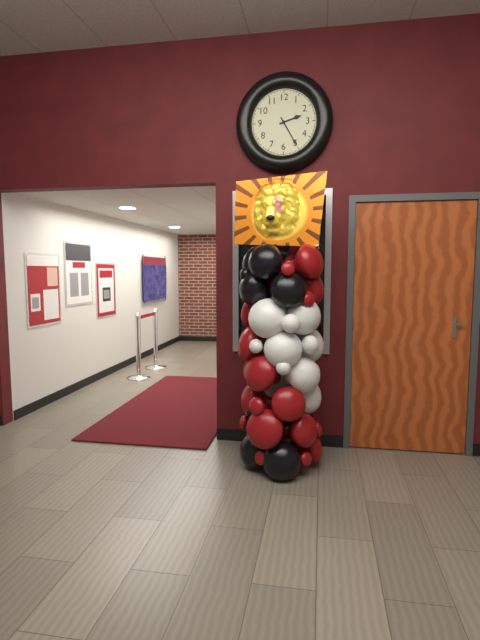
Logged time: h=2 m=25
